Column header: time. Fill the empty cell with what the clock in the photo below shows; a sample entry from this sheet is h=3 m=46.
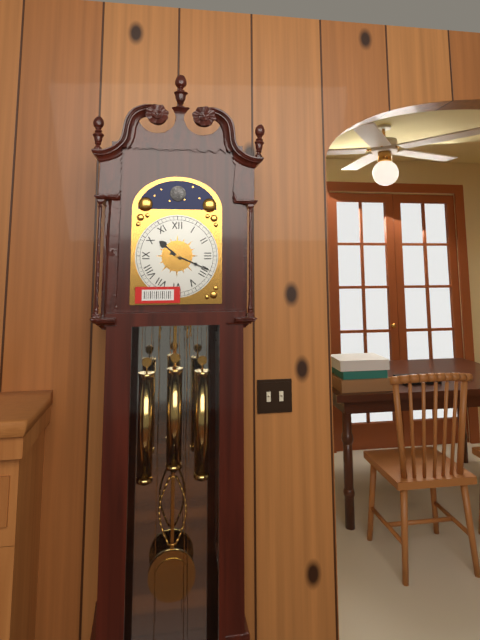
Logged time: h=10 m=19
